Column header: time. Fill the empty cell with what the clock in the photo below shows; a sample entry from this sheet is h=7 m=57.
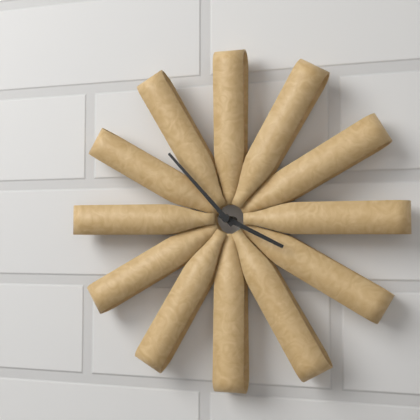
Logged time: h=3 m=53
